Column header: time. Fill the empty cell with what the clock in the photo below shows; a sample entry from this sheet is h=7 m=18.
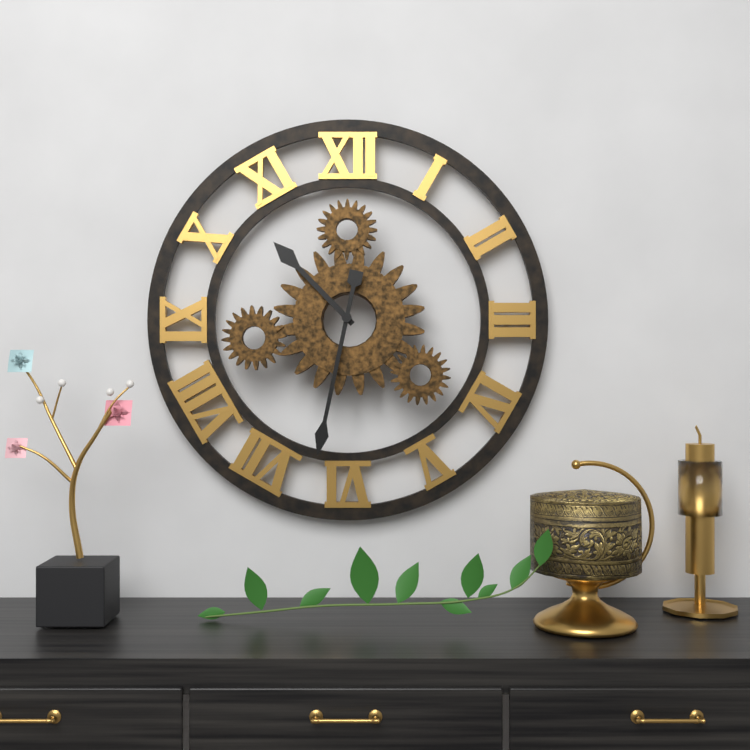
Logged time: h=10 m=32
